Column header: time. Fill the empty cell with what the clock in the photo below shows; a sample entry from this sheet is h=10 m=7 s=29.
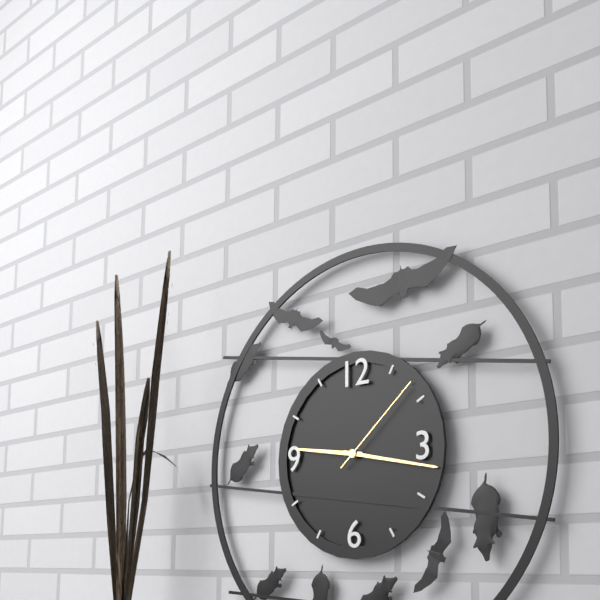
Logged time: h=9 m=17 s=8
